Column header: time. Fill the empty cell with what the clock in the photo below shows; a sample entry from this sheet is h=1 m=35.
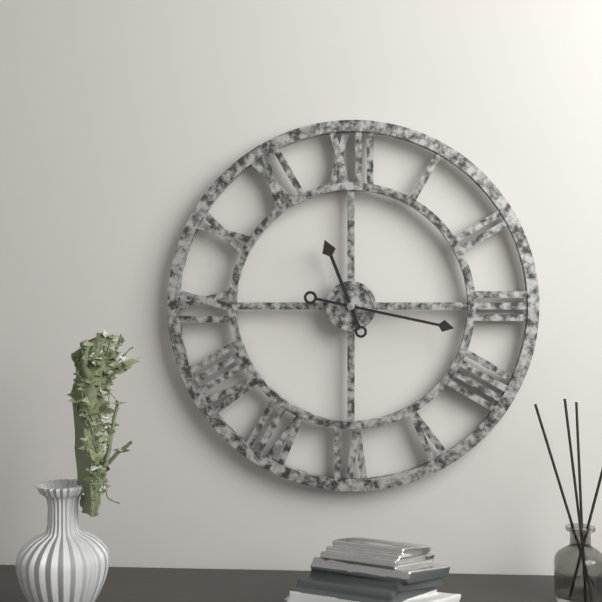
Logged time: h=11 m=17
